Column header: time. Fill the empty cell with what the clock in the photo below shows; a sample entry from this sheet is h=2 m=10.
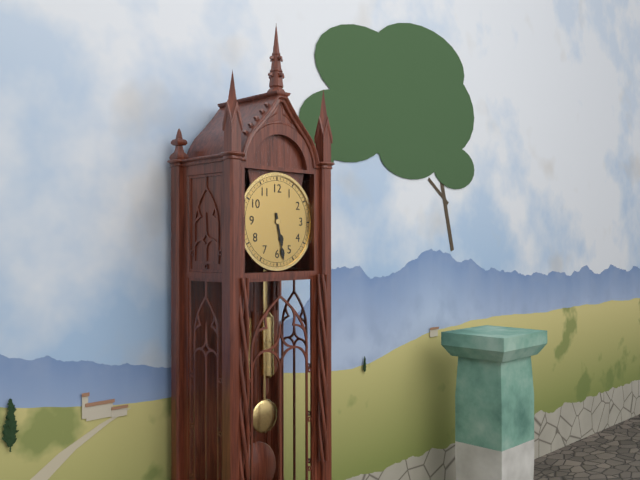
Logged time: h=5 m=28
